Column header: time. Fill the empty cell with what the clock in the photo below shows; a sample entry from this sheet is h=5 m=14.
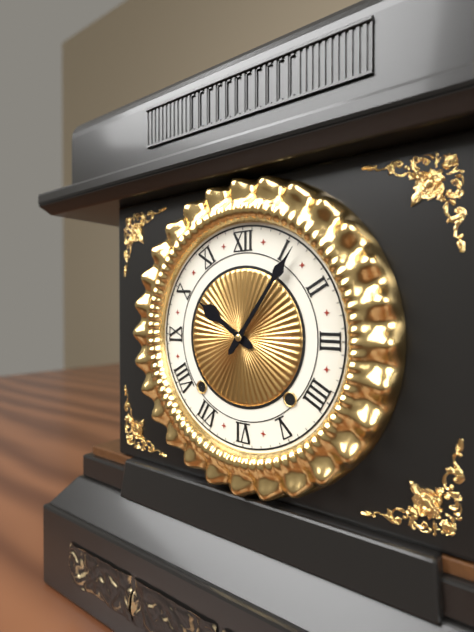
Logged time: h=10 m=6
